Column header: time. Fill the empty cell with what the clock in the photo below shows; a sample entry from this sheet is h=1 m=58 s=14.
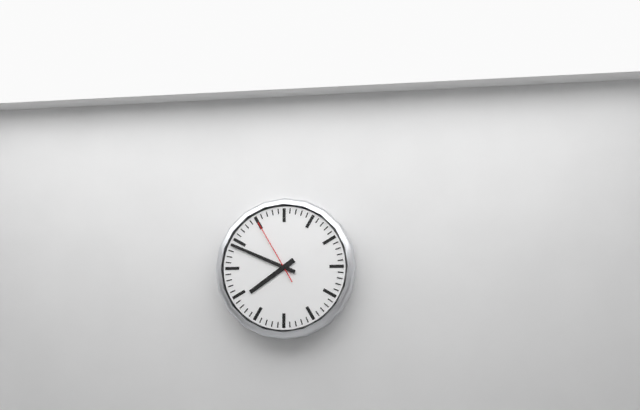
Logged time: h=7 m=49 s=55
